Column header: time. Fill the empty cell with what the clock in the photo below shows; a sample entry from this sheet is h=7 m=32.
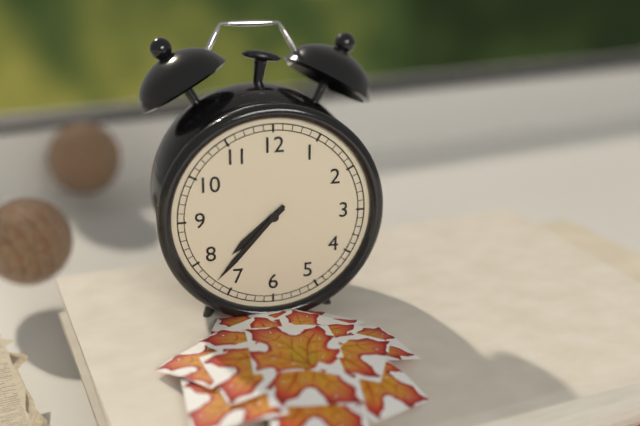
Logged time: h=7 m=37
